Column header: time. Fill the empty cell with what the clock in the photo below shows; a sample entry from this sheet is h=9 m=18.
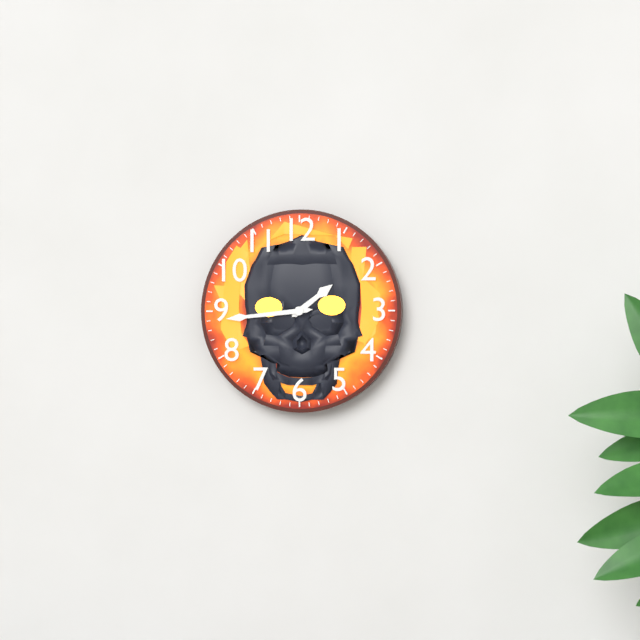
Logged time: h=1 m=44
